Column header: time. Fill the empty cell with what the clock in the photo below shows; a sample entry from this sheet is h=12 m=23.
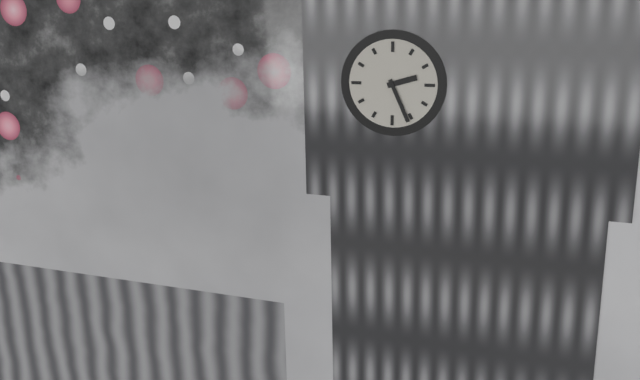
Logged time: h=2 m=26
